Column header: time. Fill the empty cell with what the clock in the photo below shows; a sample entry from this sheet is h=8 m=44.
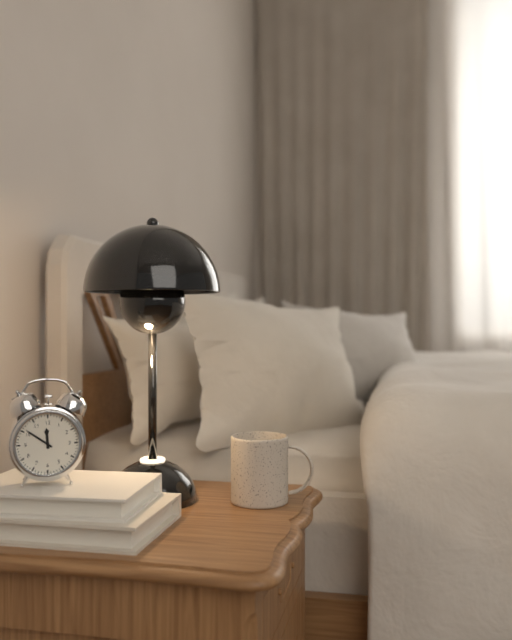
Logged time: h=11 m=51
